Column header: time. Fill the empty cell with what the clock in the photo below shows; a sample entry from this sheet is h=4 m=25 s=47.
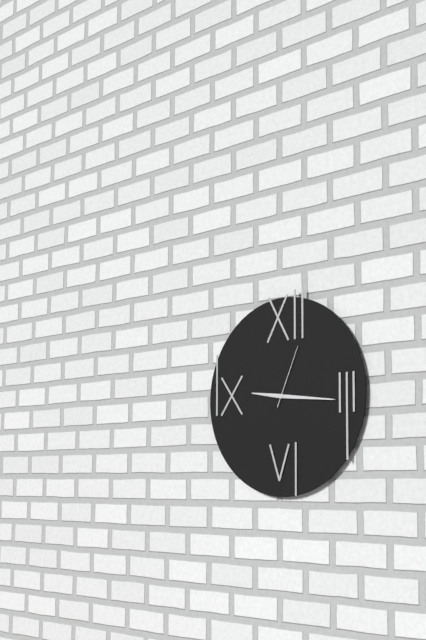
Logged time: h=9 m=16 s=4
